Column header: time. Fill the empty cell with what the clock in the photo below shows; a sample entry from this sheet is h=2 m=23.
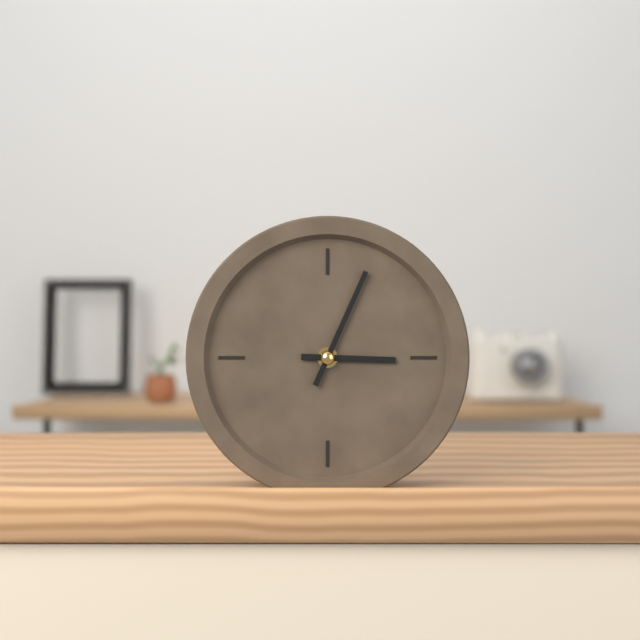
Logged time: h=3 m=4
